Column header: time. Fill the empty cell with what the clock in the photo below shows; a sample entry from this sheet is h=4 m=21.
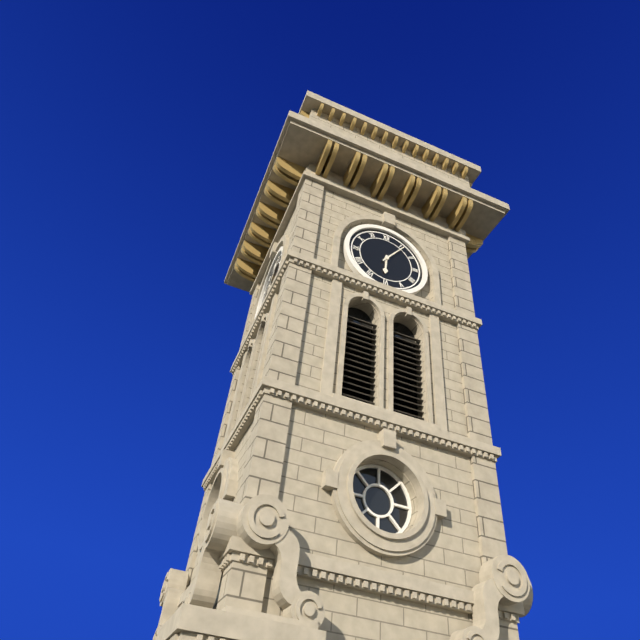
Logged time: h=6 m=6
